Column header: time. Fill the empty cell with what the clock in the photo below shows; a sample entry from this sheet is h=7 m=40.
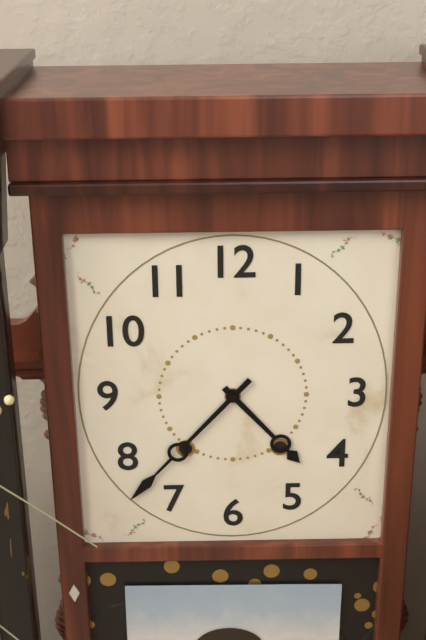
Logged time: h=4 m=37
